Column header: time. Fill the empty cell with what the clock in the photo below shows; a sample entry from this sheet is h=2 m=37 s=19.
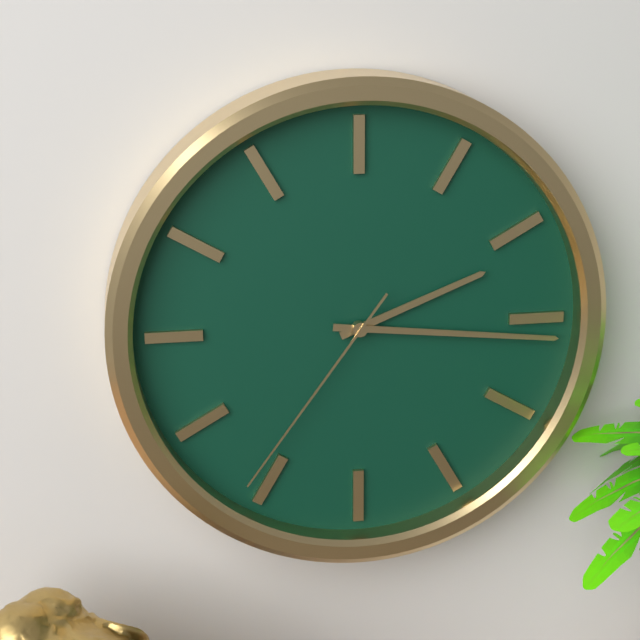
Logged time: h=2 m=16 s=36
